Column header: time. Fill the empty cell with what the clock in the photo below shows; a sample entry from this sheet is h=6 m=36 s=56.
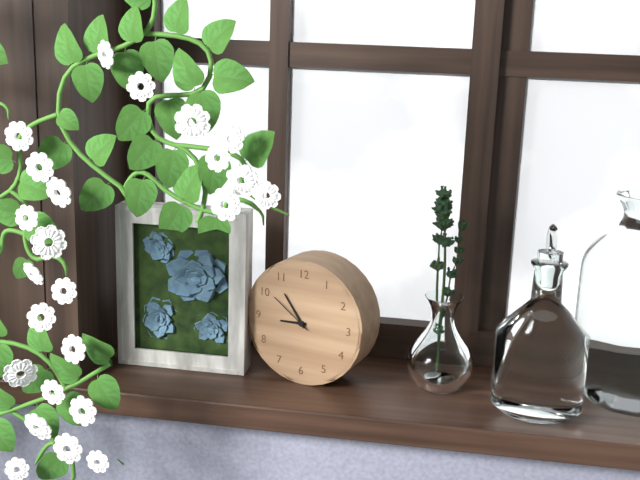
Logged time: h=8 m=54 s=51
